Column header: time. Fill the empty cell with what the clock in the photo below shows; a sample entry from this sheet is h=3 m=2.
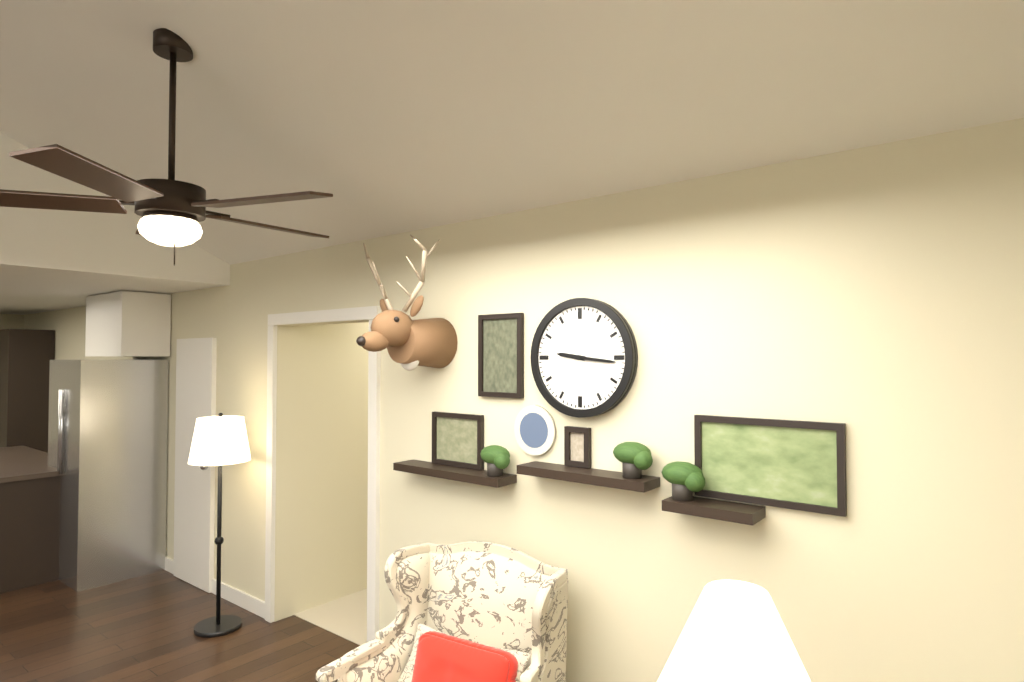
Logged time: h=9 m=16
